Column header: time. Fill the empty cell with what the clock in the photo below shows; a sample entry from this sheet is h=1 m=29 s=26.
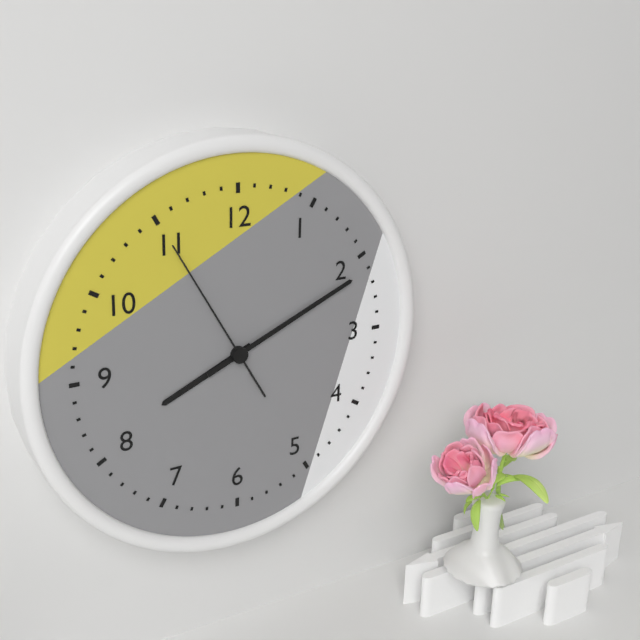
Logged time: h=8 m=11 s=55
